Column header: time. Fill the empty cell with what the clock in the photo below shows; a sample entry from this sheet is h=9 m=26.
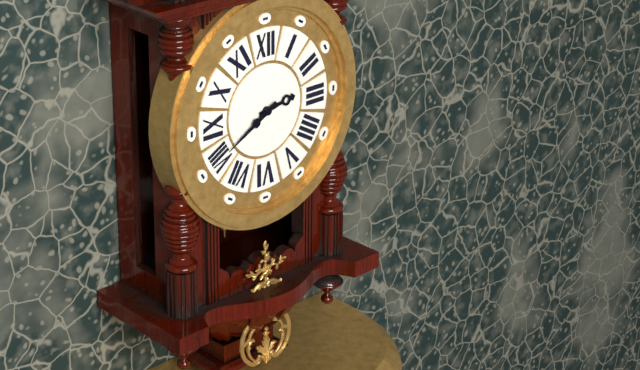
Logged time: h=2 m=40
